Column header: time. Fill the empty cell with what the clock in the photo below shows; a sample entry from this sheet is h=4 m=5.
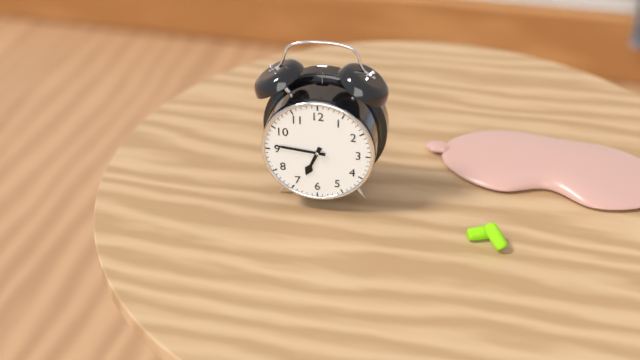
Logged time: h=6 m=46
